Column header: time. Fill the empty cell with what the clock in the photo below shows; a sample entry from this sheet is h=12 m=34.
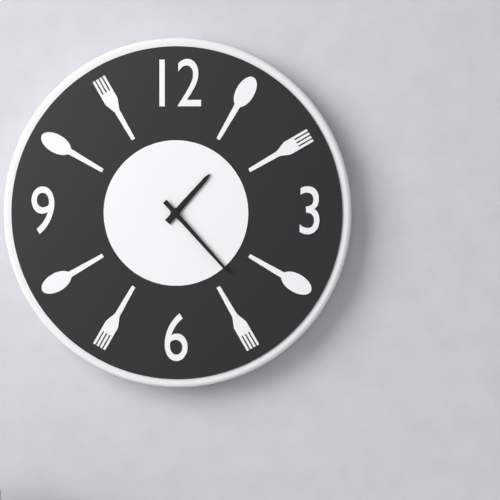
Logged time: h=1 m=23
